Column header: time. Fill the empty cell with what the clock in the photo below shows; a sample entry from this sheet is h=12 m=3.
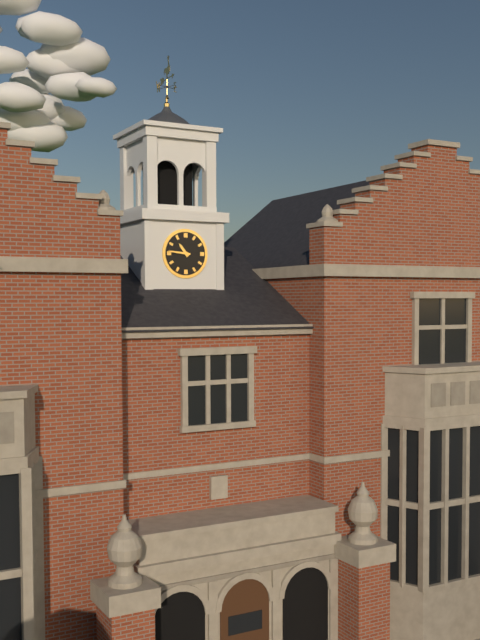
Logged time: h=10 m=46
